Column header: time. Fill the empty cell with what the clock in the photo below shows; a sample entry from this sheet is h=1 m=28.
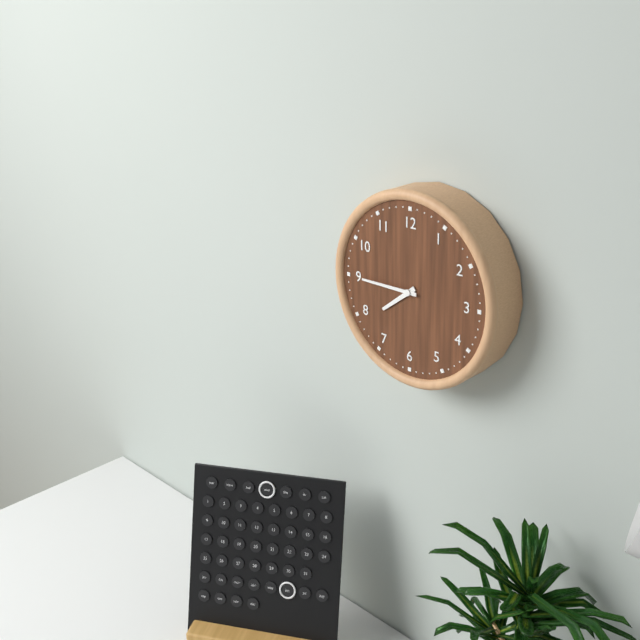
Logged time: h=7 m=45
